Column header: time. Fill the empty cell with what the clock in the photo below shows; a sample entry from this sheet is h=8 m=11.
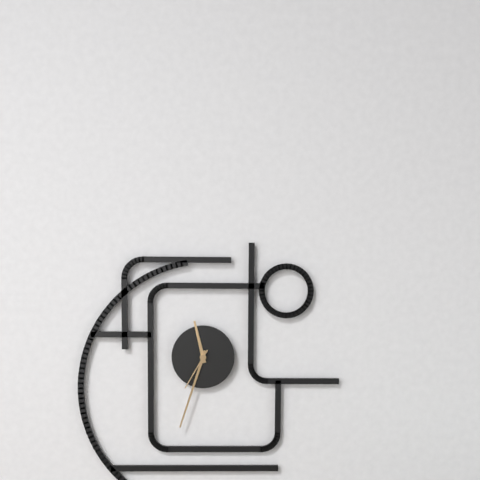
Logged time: h=11 m=33
